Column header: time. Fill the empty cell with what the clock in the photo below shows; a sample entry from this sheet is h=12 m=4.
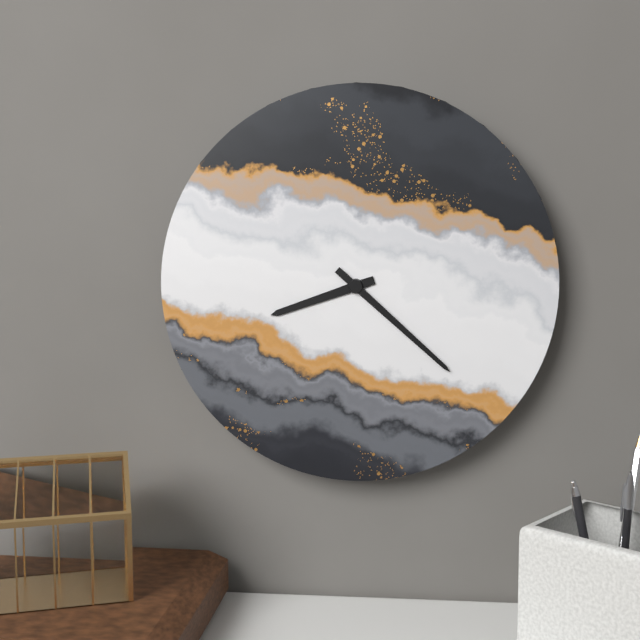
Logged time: h=8 m=22
